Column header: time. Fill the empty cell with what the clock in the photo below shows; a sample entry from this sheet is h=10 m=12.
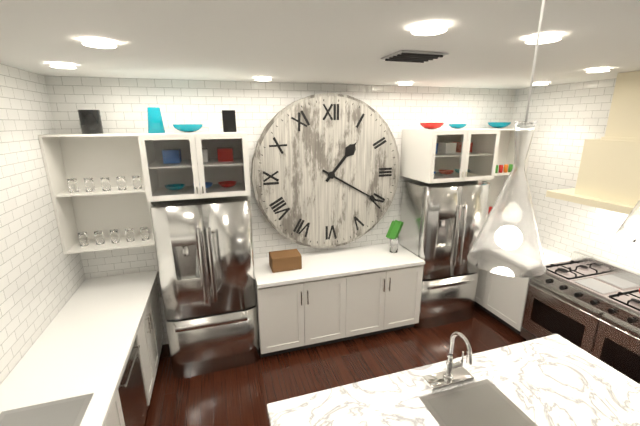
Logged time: h=1 m=20
